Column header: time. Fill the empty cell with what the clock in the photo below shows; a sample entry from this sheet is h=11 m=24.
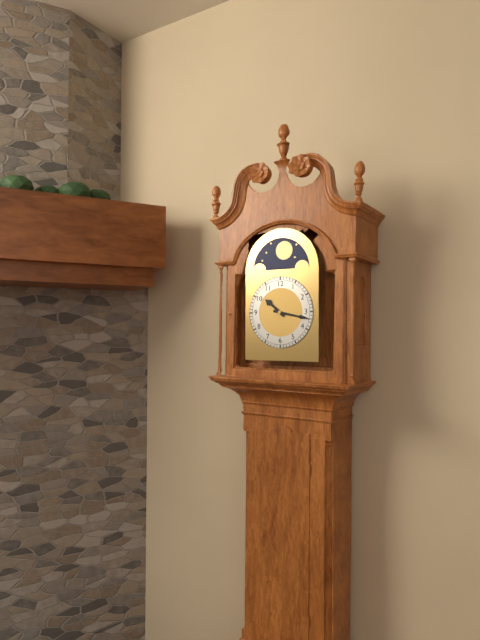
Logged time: h=10 m=17
